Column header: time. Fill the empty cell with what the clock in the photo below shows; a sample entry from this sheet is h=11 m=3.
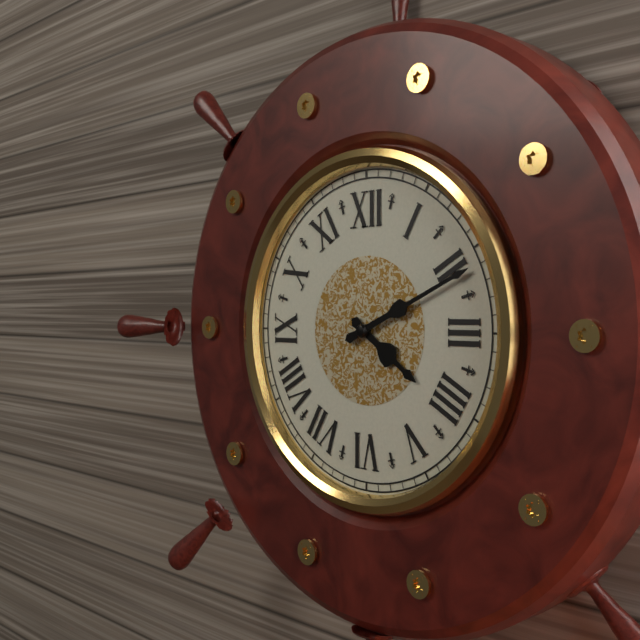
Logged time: h=4 m=11
